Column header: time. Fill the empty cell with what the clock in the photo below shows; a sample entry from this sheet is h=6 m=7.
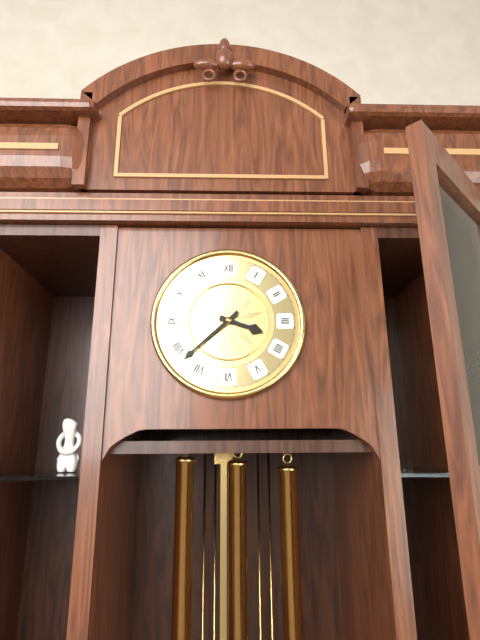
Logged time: h=3 m=38
